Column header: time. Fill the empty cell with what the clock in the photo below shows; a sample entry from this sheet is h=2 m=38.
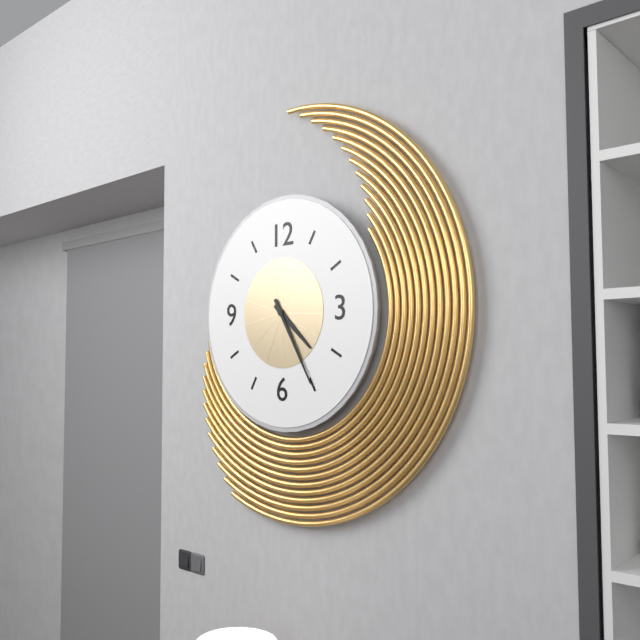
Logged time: h=4 m=25
